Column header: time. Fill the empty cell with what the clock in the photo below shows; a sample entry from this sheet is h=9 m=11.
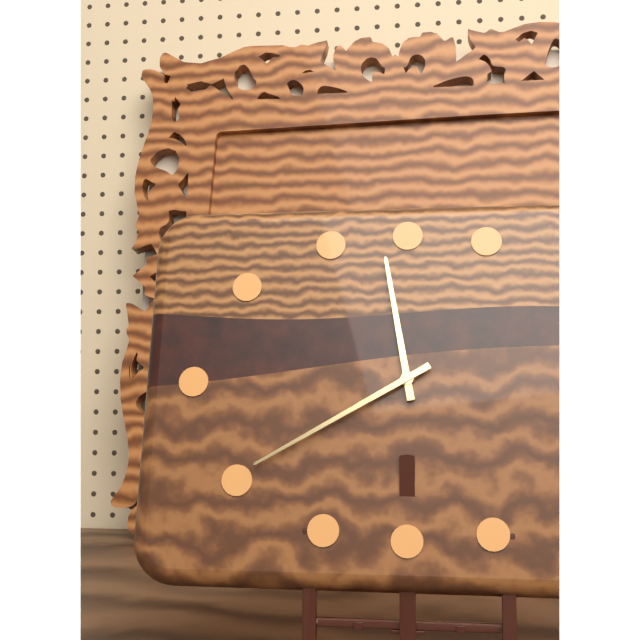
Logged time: h=11 m=40
